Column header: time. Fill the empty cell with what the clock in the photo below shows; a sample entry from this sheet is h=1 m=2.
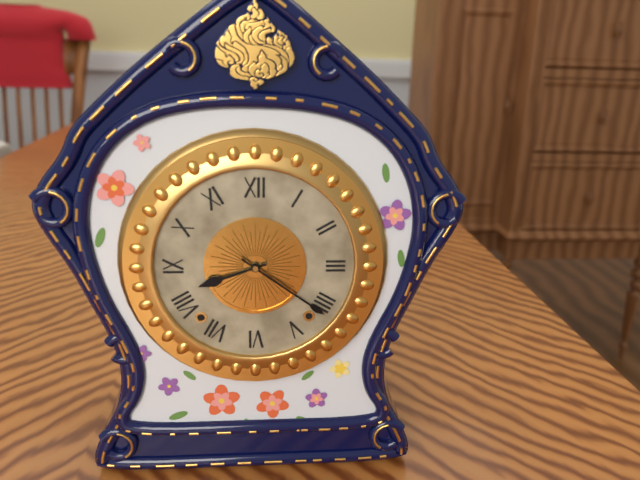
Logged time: h=8 m=21
